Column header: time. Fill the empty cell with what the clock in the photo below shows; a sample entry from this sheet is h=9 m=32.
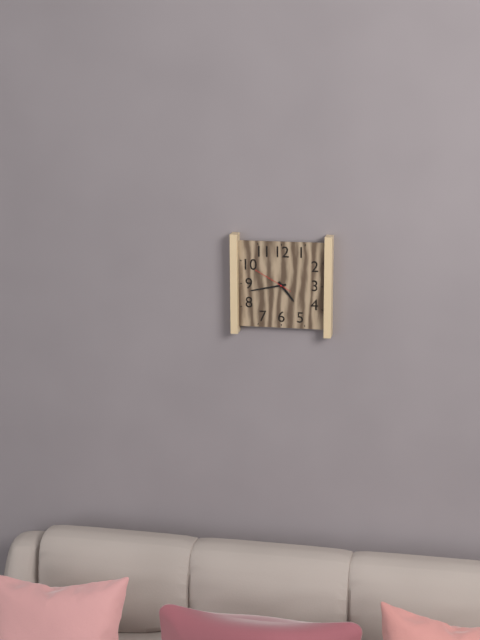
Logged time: h=4 m=43
